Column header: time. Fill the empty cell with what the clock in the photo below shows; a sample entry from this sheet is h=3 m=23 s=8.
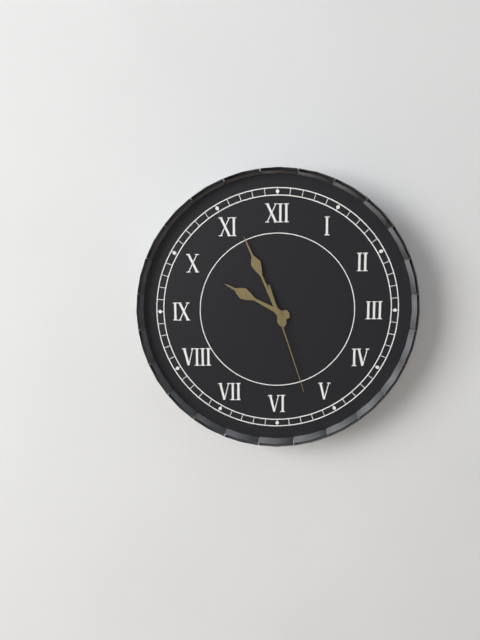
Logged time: h=9 m=56 s=27
